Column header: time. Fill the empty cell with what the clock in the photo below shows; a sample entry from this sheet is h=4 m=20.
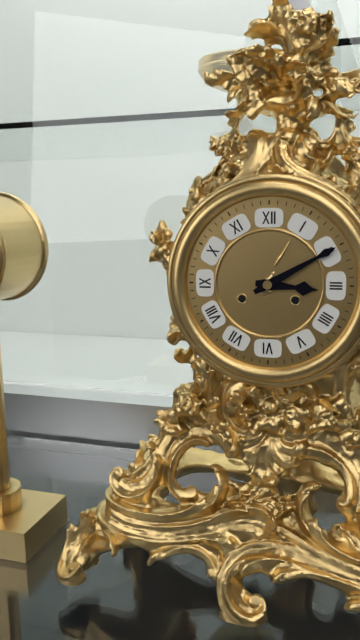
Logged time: h=3 m=10
